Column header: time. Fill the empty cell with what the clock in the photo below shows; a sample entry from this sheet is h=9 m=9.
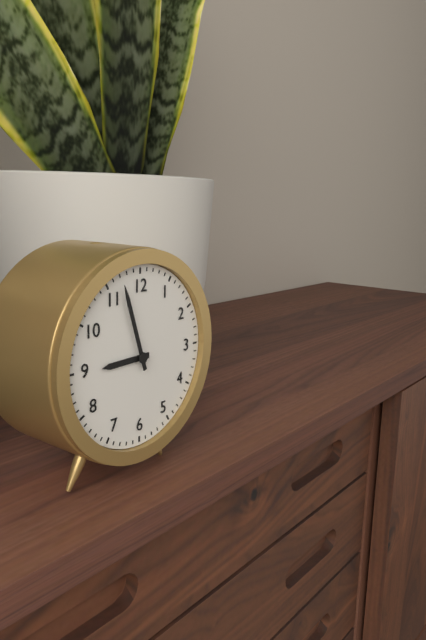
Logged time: h=8 m=57
